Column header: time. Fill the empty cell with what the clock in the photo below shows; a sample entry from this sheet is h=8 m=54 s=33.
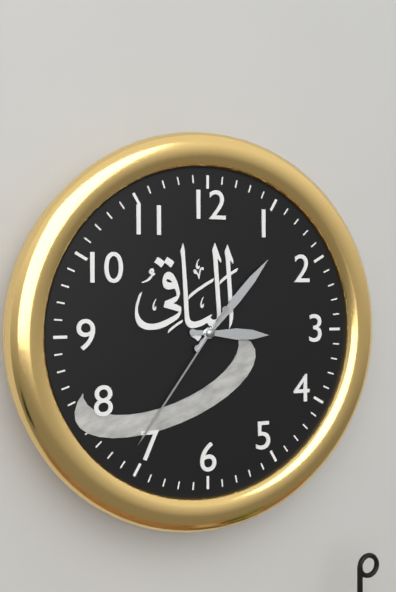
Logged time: h=3 m=7 s=36
